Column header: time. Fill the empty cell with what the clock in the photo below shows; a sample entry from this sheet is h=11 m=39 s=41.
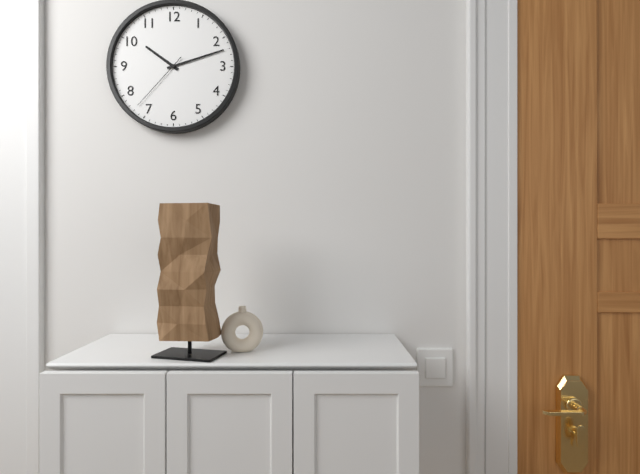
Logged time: h=10 m=12 s=37
